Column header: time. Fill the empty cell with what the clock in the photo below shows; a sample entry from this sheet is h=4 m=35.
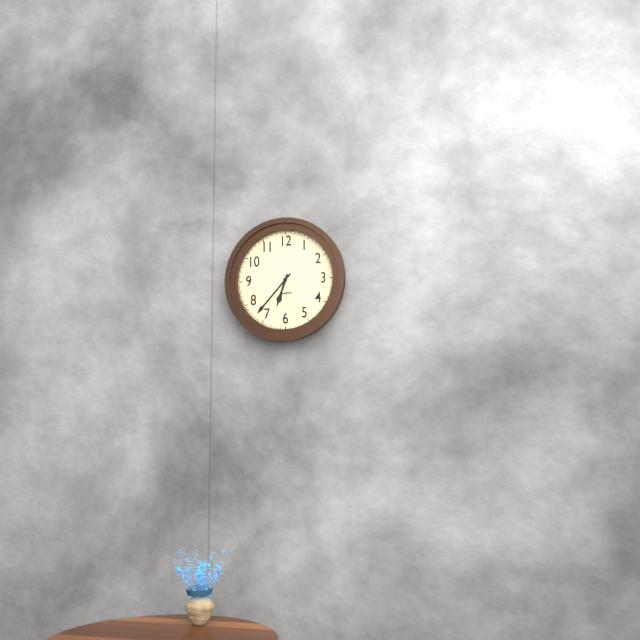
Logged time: h=6 m=37
